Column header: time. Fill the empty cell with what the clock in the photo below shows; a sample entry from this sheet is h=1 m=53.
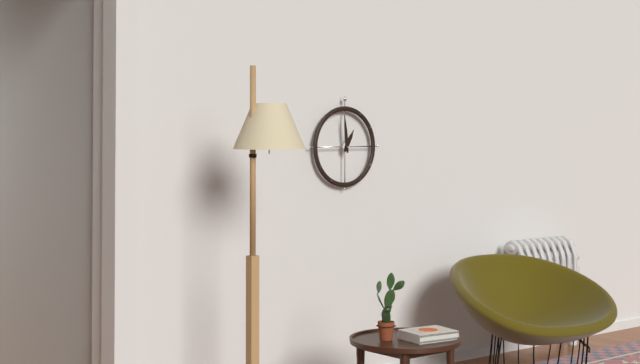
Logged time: h=12 m=59
